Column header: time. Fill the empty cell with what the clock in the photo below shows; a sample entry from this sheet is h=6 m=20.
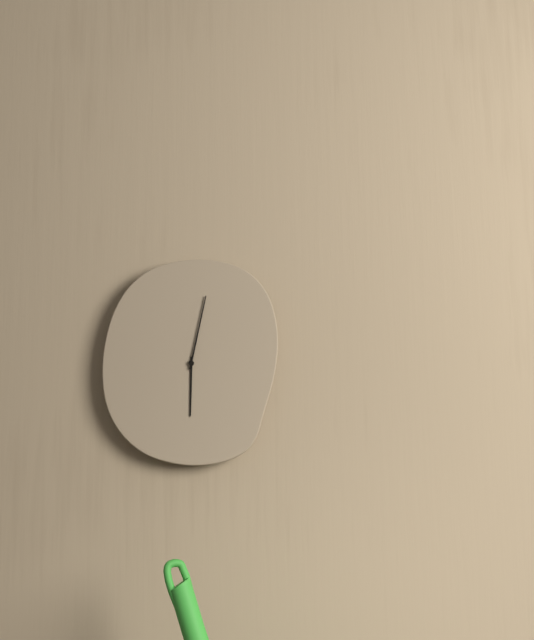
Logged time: h=6 m=2
